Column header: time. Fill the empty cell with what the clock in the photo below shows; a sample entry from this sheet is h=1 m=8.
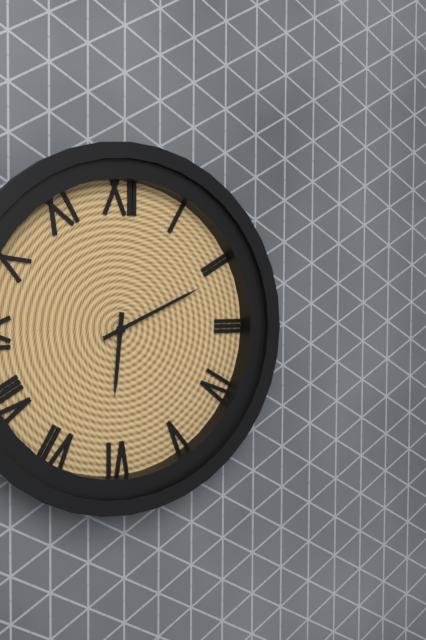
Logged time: h=6 m=11
